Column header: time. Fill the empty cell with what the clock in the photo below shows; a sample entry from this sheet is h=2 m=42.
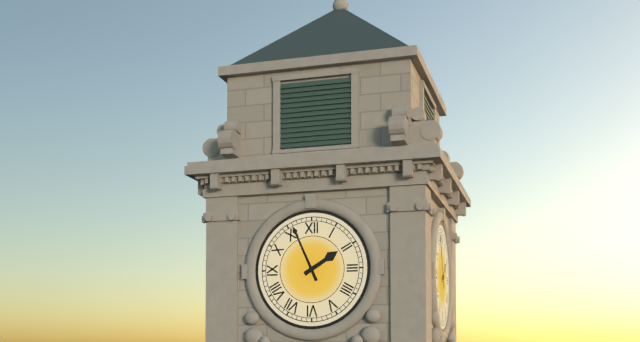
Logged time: h=1 m=56
